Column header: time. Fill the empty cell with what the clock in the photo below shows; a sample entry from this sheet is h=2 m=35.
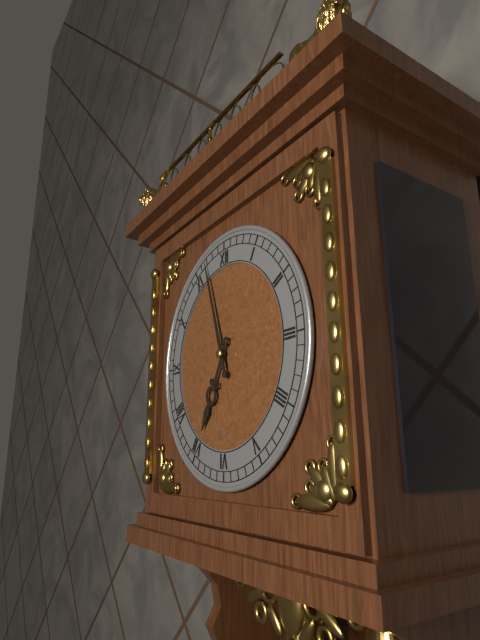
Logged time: h=6 m=57
